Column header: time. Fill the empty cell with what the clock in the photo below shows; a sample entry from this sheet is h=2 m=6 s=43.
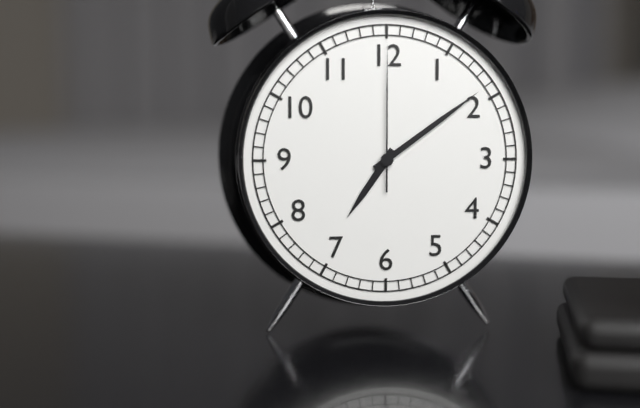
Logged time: h=7 m=9 s=0
